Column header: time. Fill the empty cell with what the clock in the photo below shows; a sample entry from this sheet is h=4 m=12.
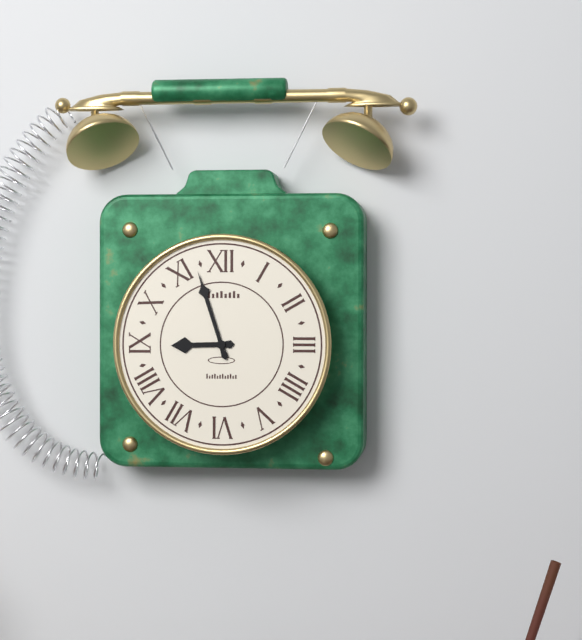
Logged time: h=8 m=57
